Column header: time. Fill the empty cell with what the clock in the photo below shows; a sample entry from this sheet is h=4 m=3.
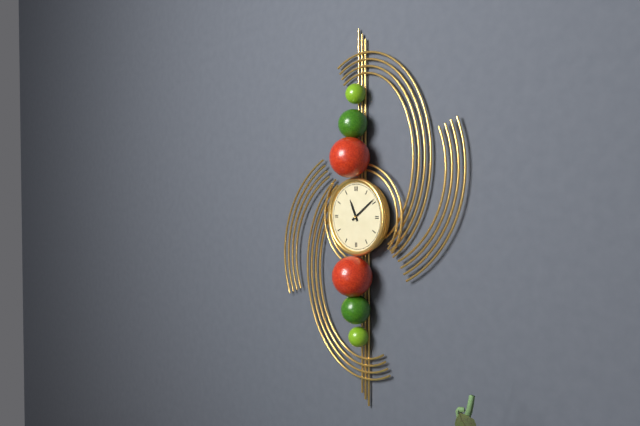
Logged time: h=11 m=9
